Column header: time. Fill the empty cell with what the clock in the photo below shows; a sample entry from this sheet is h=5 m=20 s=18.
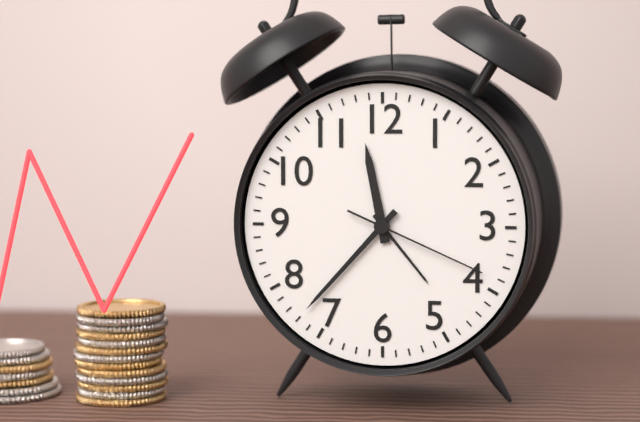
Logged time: h=11 m=37 s=19
